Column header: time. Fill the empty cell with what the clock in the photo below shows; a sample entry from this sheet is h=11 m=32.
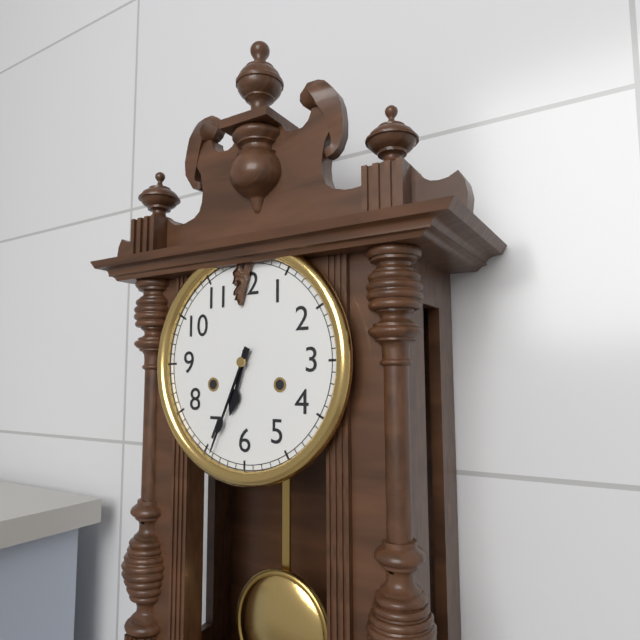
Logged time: h=6 m=34
